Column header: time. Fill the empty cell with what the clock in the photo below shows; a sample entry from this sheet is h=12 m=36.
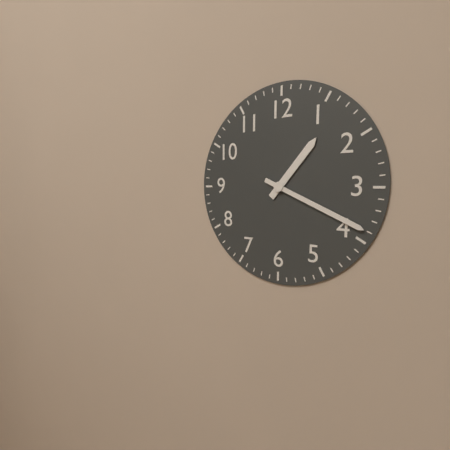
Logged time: h=1 m=19
